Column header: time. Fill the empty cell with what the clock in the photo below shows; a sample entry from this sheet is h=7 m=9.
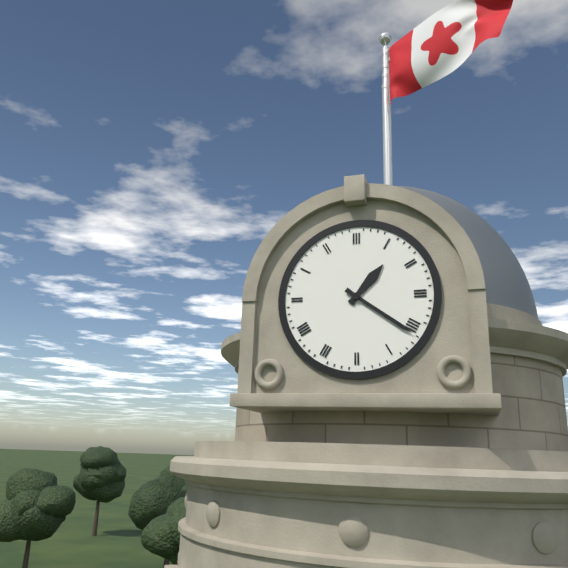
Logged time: h=1 m=21
